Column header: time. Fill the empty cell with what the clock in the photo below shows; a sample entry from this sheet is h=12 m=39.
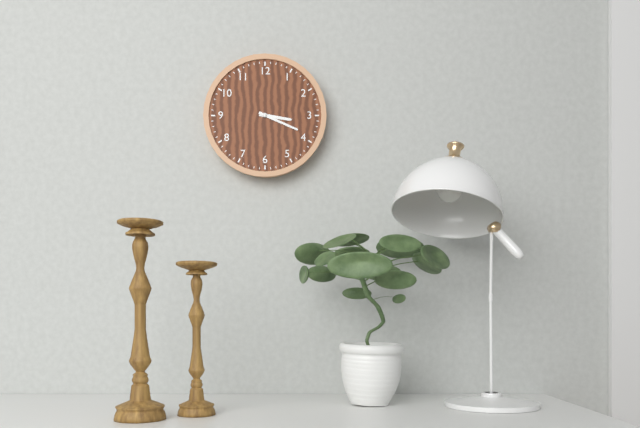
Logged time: h=3 m=19
